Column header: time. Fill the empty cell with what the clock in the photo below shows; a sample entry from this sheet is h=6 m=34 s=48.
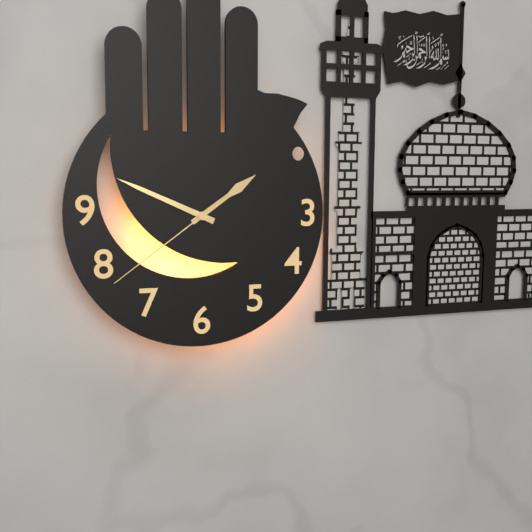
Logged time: h=1 m=49 s=39
